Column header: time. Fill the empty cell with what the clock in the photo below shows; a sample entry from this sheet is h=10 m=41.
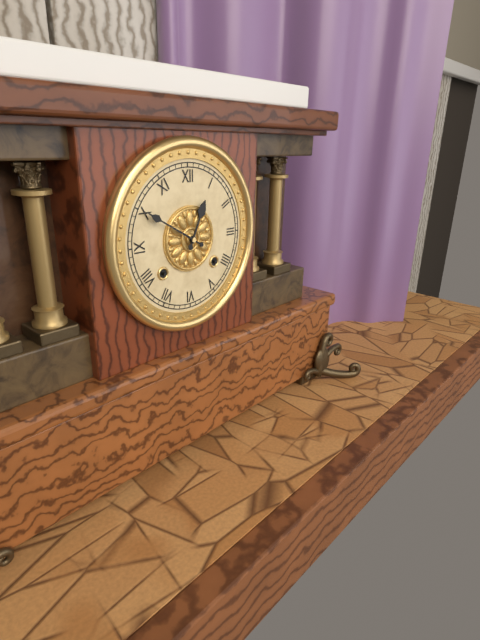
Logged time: h=12 m=50
